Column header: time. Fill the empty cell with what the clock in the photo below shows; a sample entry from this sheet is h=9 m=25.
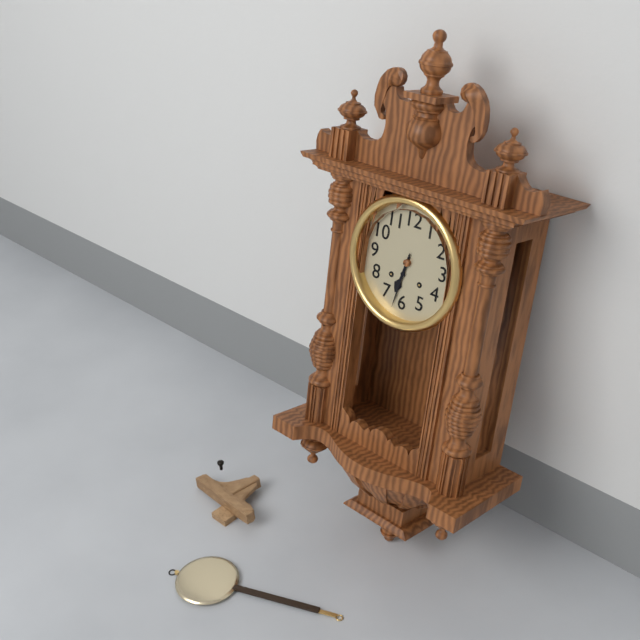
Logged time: h=6 m=32
